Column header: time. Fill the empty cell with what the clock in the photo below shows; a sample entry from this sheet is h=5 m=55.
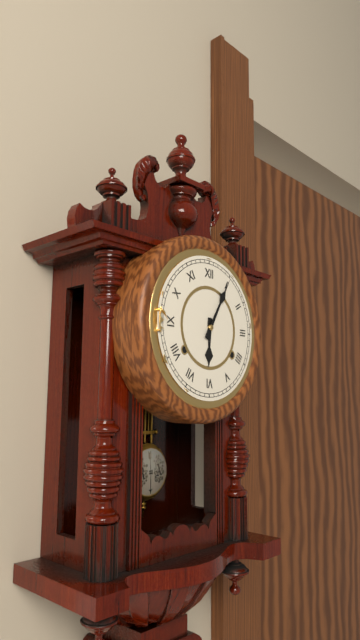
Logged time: h=6 m=5
